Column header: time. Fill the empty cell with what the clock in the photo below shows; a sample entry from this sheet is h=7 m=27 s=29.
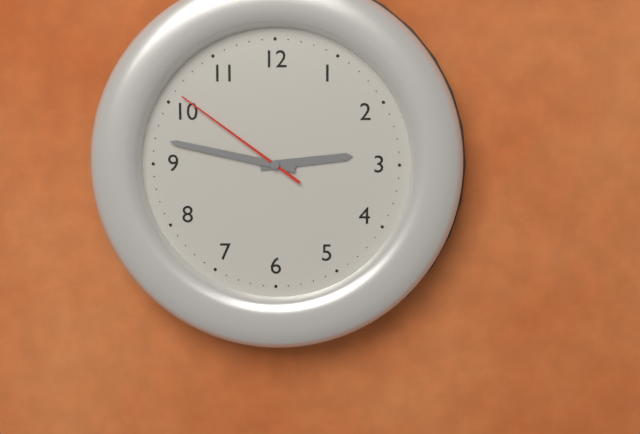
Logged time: h=2 m=47 s=51
